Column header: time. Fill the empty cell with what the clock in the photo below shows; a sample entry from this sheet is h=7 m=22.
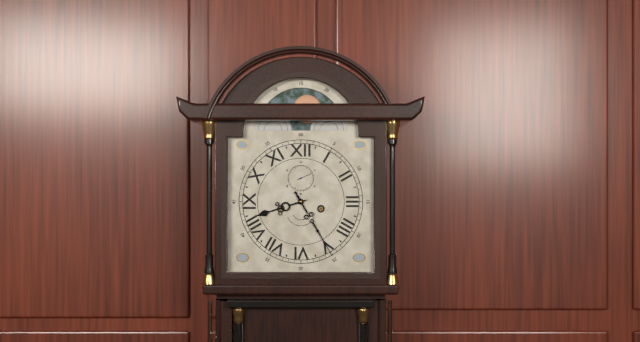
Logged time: h=8 m=25
